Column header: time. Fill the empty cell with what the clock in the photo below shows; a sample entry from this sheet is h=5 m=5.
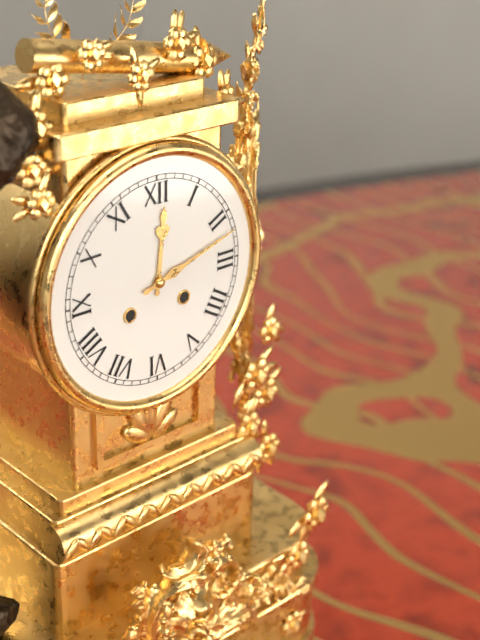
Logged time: h=12 m=12
